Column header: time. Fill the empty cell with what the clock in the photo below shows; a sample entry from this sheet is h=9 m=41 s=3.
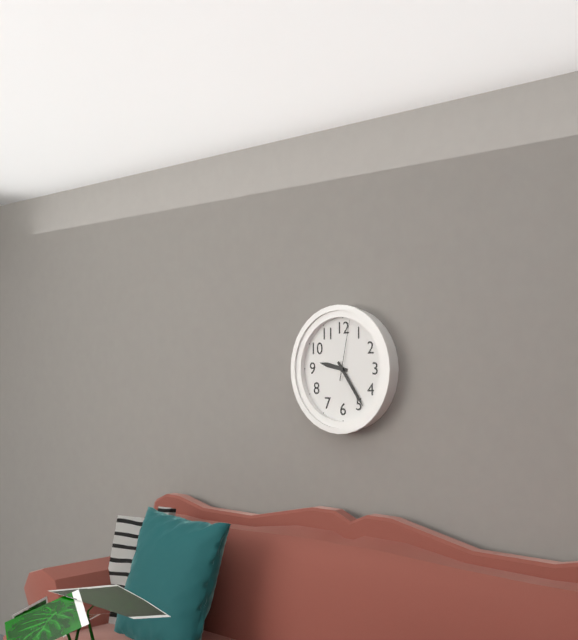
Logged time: h=9 m=24 s=2
